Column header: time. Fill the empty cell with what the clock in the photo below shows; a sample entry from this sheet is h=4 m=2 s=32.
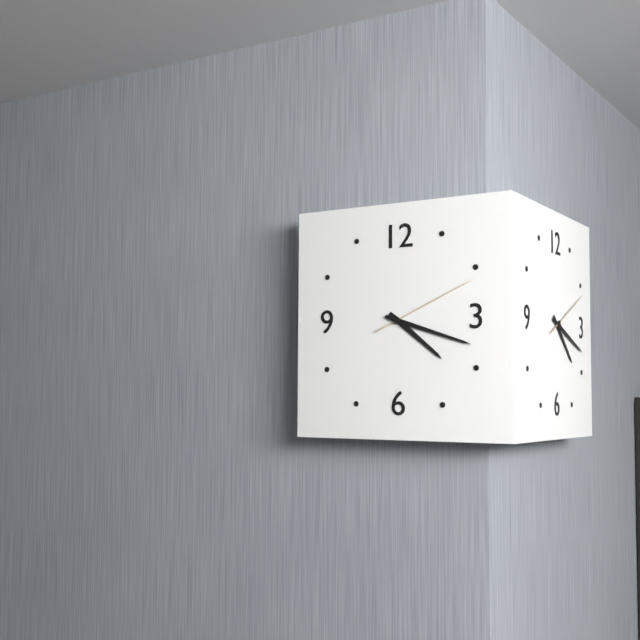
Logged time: h=4 m=18 s=11
